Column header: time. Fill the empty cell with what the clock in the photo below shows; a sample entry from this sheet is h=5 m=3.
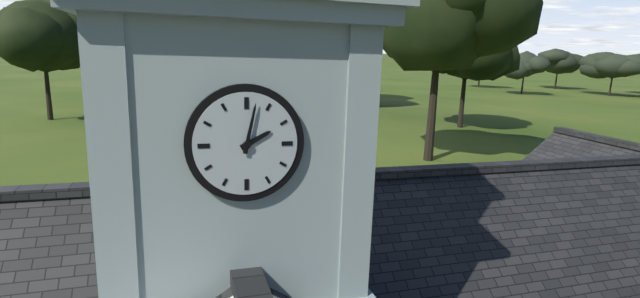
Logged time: h=2 m=2
